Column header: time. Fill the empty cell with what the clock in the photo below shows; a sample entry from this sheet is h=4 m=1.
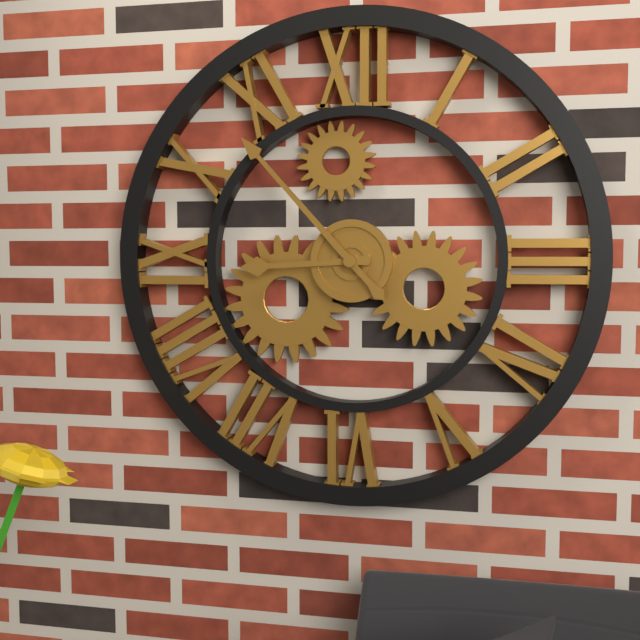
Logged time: h=8 m=53
